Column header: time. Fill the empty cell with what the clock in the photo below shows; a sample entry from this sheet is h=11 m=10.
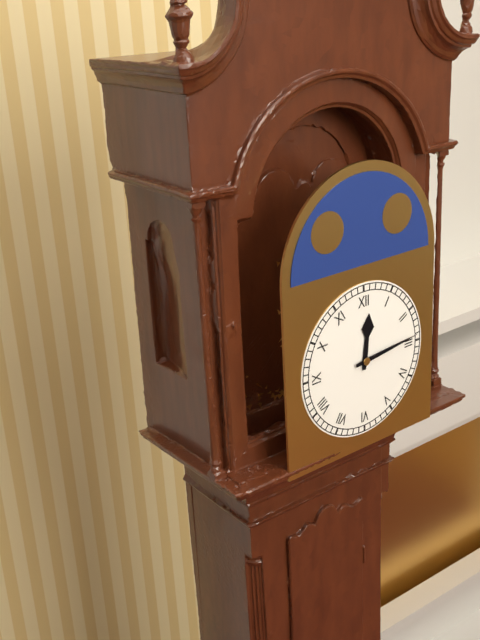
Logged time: h=12 m=14
